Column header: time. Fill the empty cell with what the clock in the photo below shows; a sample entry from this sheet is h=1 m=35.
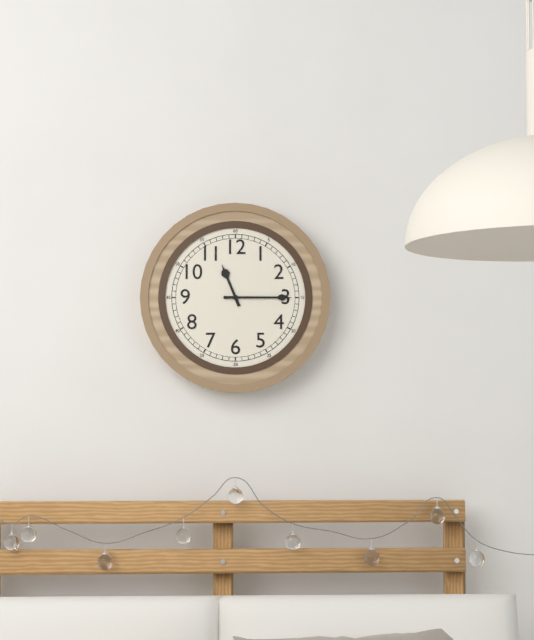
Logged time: h=11 m=15
